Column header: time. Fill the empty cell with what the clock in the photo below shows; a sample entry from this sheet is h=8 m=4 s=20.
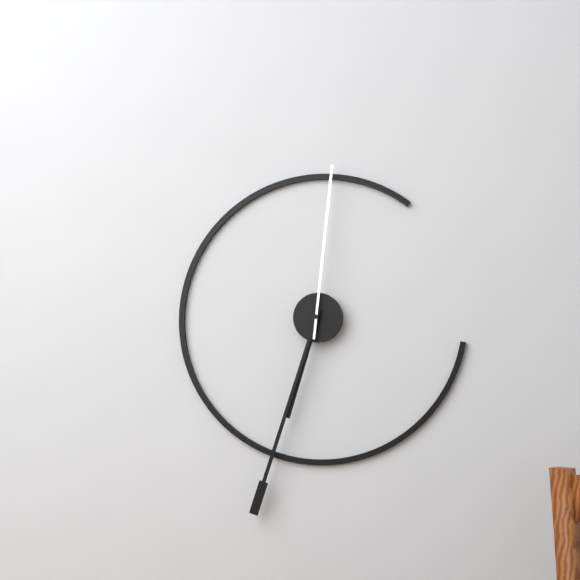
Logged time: h=6 m=33 s=1
